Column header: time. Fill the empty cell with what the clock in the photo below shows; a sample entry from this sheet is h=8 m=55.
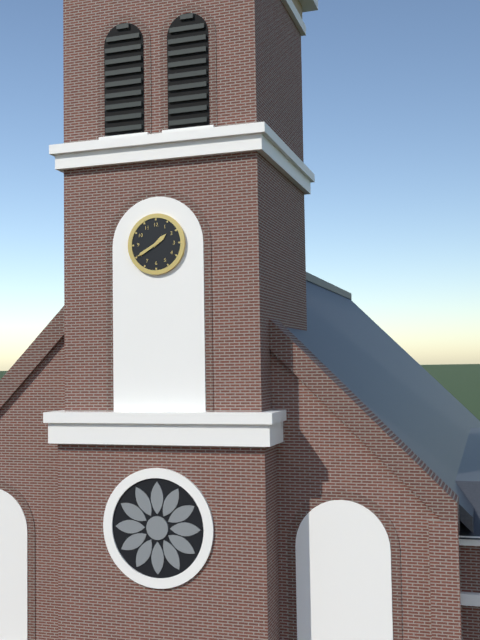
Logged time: h=1 m=40
